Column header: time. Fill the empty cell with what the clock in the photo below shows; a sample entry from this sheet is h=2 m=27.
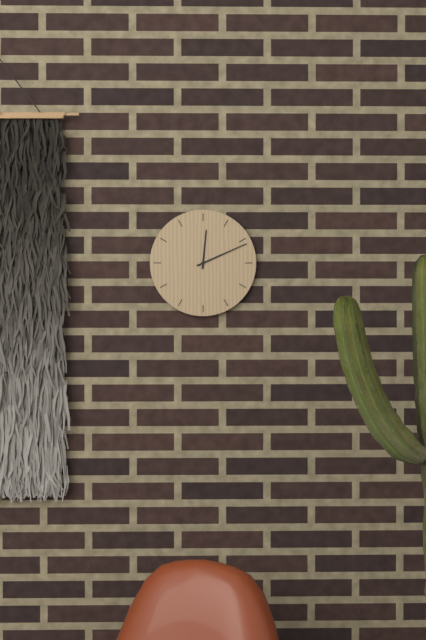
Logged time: h=12 m=11
